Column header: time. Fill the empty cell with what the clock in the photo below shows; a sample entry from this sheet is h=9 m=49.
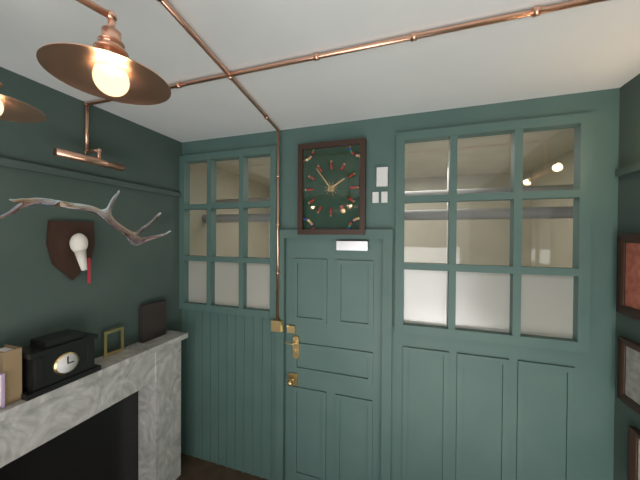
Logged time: h=1 m=54
